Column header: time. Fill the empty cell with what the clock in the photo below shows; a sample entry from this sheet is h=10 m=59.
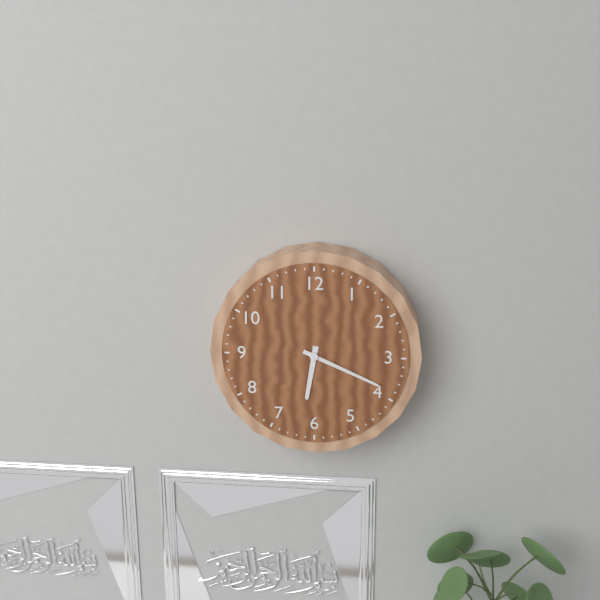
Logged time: h=6 m=19
